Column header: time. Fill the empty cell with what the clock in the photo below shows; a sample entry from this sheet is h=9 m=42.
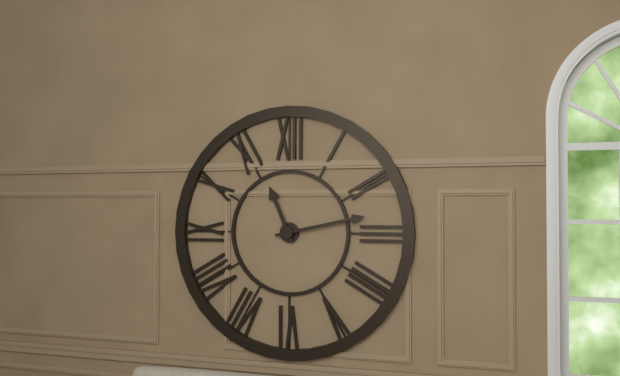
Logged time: h=11 m=13
